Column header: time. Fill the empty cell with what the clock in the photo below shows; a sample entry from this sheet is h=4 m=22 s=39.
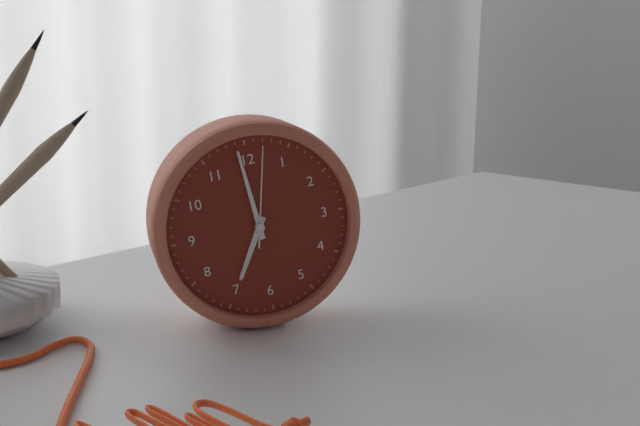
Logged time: h=6 m=59 s=2
